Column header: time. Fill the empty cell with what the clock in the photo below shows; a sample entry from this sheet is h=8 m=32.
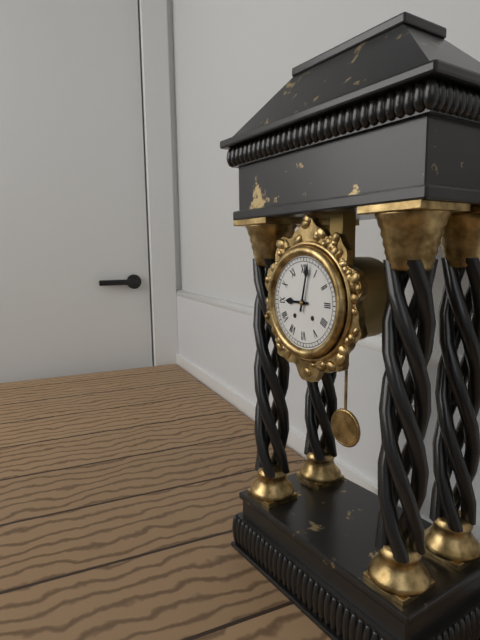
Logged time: h=9 m=2
